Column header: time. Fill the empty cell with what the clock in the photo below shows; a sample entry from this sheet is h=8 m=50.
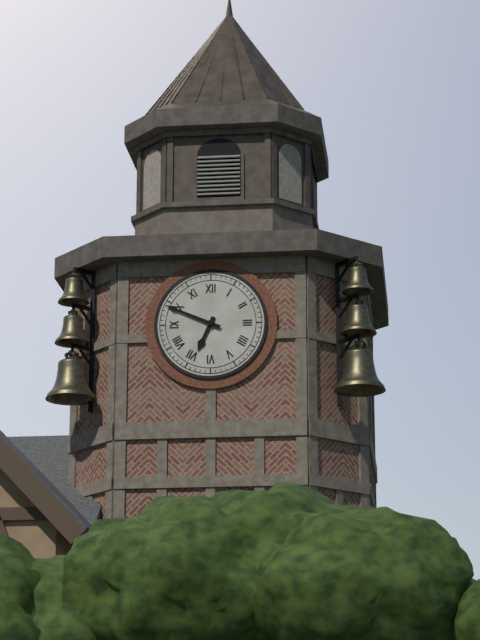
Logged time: h=6 m=49
